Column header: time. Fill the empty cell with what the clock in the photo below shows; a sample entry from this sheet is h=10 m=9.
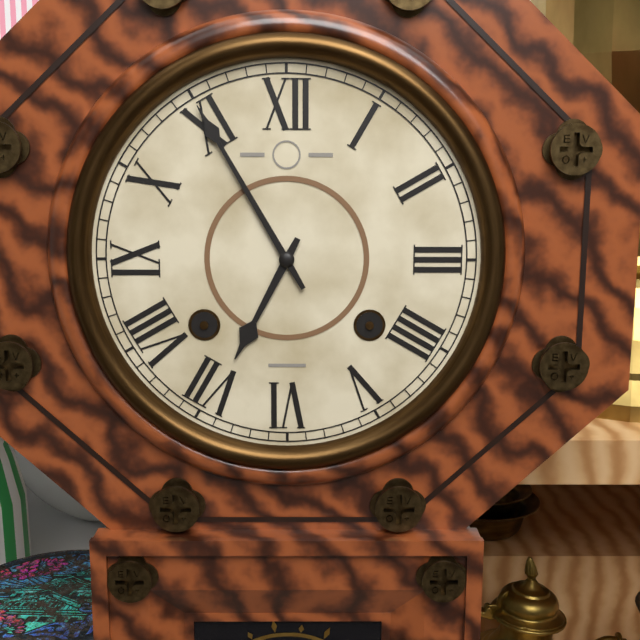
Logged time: h=6 m=55
